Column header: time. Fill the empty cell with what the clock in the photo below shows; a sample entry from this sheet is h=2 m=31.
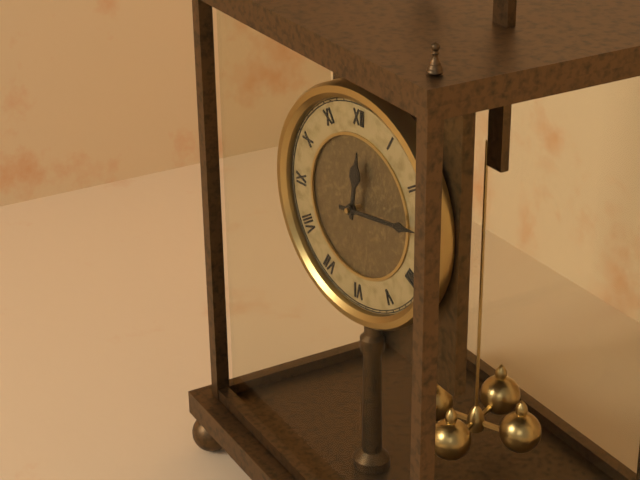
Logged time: h=12 m=14
